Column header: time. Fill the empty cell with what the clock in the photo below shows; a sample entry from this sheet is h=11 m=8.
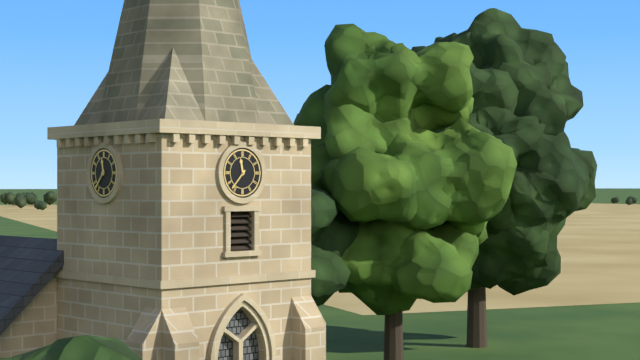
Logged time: h=11 m=37
